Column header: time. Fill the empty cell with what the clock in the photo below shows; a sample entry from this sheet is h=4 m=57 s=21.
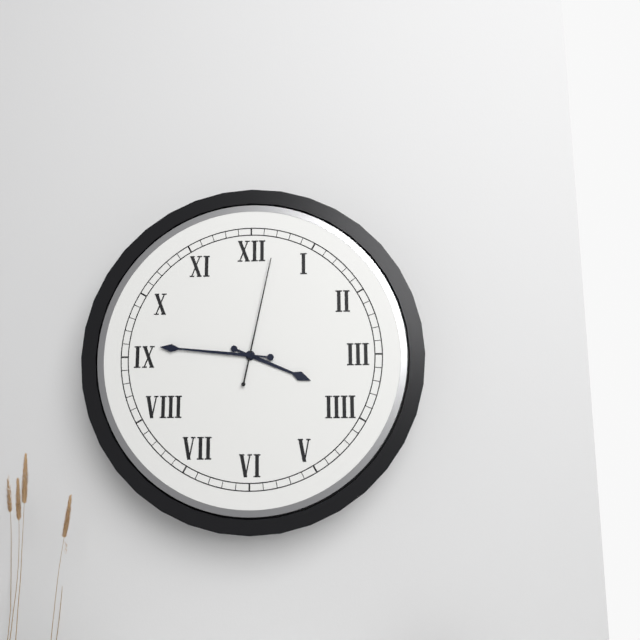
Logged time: h=3 m=46 s=2
